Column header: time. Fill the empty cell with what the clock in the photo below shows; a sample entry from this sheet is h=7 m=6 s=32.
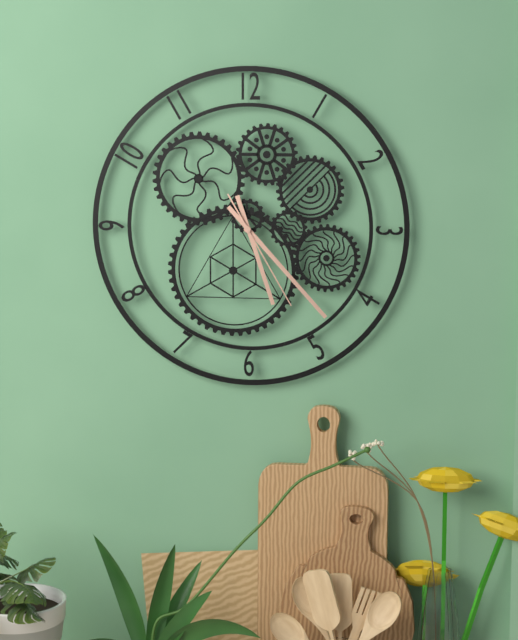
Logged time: h=5 m=23 s=25
